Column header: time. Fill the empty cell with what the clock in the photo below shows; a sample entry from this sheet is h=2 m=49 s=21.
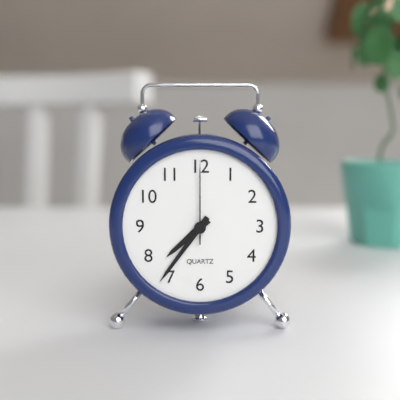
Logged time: h=7 m=36 s=0
